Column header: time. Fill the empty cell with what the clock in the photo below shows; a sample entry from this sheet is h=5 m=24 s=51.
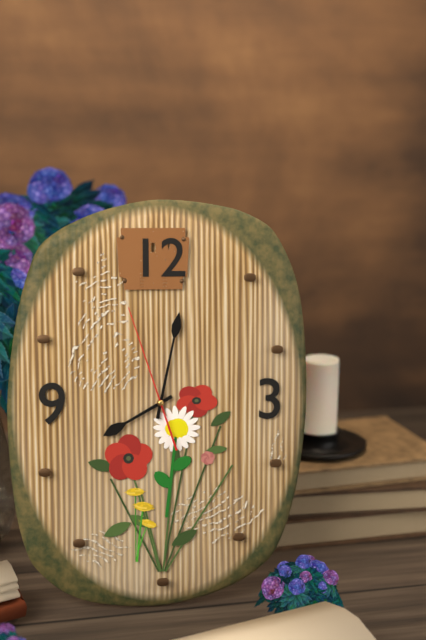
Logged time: h=8 m=2 s=57
